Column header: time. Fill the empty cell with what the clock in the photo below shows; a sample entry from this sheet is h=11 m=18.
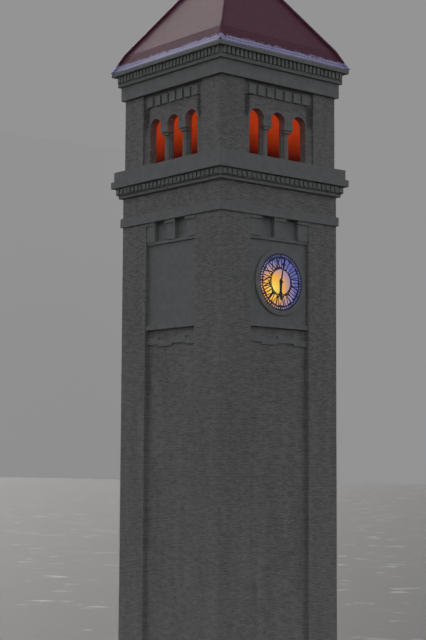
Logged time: h=6 m=2
